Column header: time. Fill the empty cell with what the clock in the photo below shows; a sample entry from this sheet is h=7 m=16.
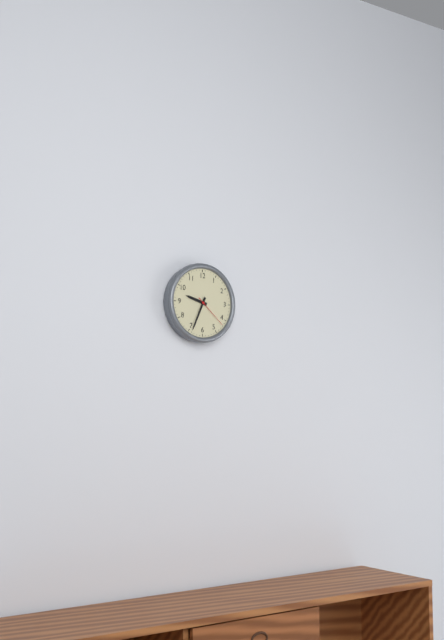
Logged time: h=9 m=34
